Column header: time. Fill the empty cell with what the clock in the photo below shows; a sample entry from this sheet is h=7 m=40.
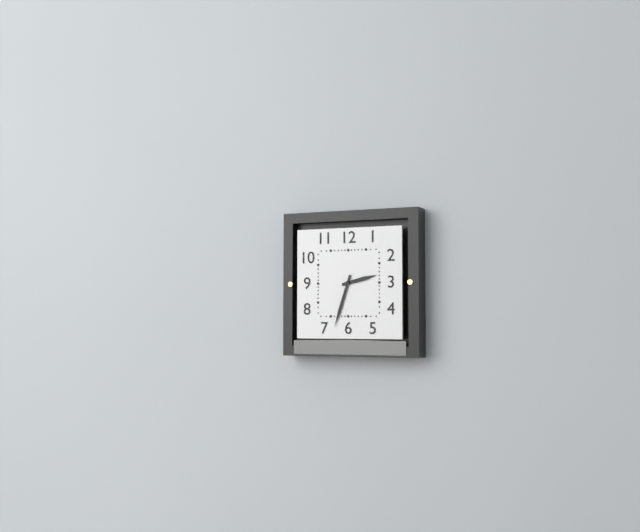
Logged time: h=2 m=33
